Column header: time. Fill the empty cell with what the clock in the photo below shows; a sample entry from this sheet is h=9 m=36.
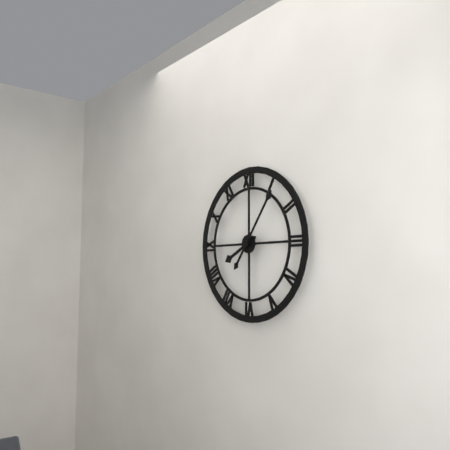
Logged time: h=8 m=6
